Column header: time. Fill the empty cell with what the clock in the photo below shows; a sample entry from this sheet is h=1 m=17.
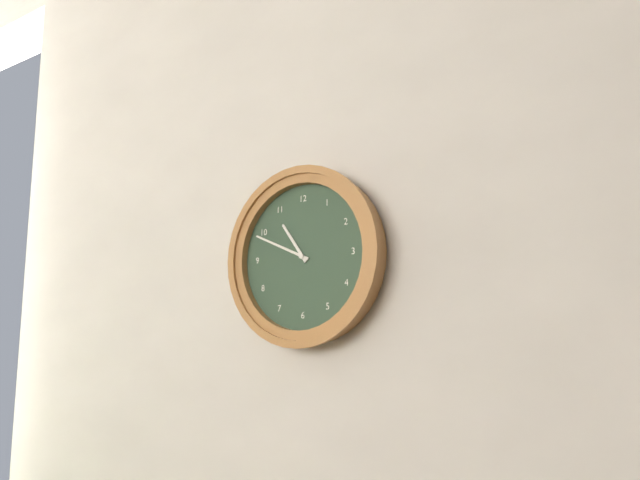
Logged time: h=10 m=49
